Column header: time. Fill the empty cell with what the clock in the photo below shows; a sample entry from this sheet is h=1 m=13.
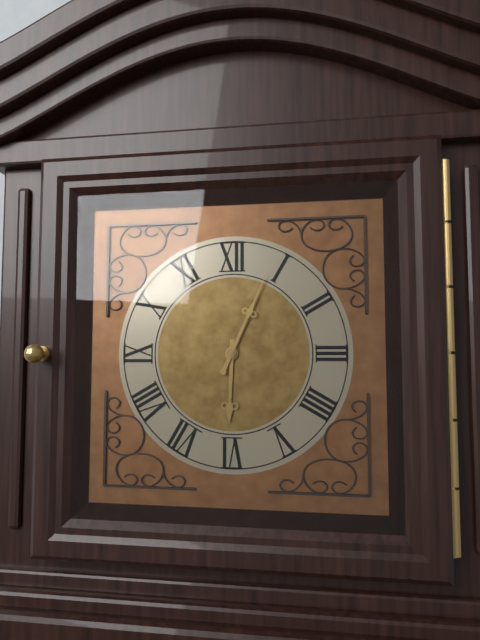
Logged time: h=6 m=4
